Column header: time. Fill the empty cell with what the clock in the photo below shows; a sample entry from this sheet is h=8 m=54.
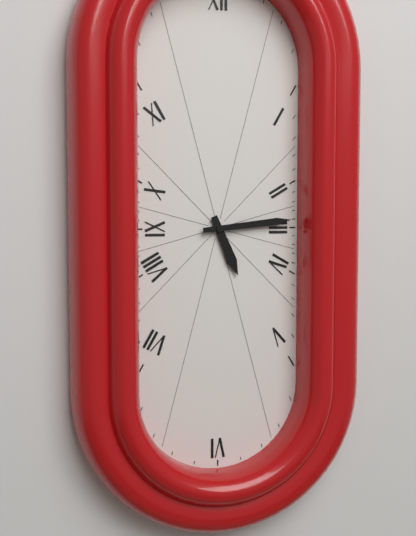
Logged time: h=5 m=14
